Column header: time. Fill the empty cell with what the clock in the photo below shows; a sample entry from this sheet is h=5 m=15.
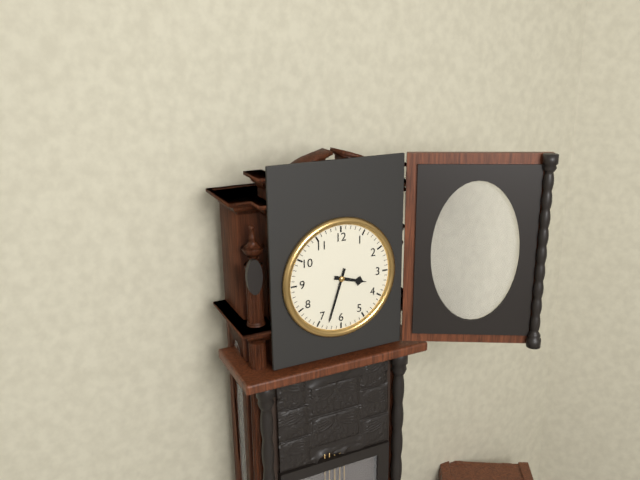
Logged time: h=3 m=33
